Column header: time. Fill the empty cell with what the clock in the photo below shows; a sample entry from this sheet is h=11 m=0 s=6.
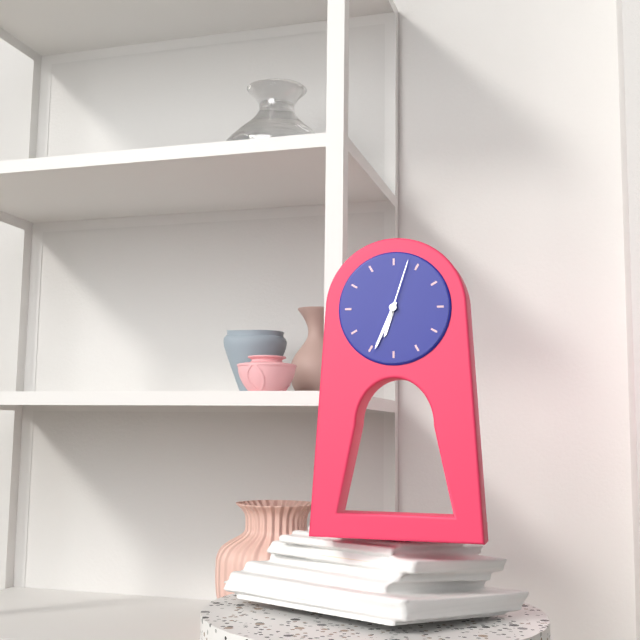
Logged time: h=6 m=34 s=3
